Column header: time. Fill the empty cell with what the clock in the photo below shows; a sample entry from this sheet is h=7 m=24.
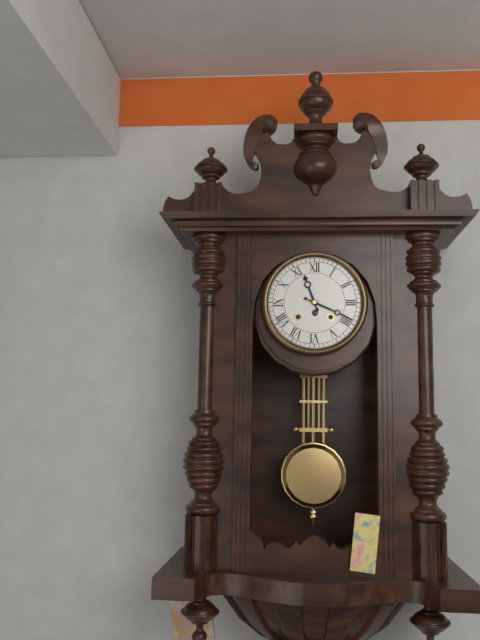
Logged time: h=11 m=19
